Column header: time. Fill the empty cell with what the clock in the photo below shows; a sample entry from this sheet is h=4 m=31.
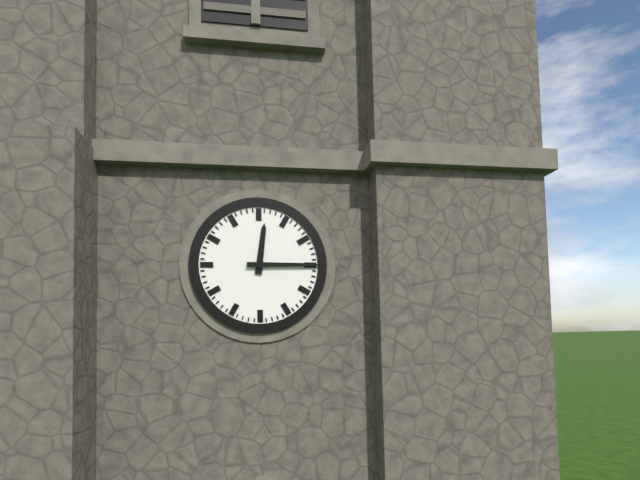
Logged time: h=12 m=15
